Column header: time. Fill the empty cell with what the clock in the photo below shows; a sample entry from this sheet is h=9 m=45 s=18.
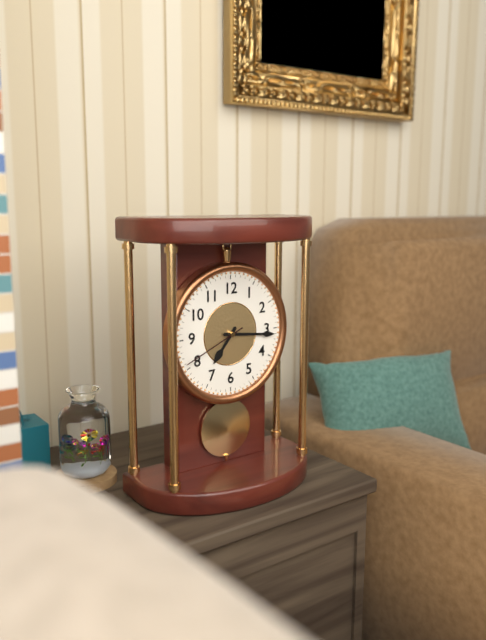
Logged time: h=7 m=16 s=41
